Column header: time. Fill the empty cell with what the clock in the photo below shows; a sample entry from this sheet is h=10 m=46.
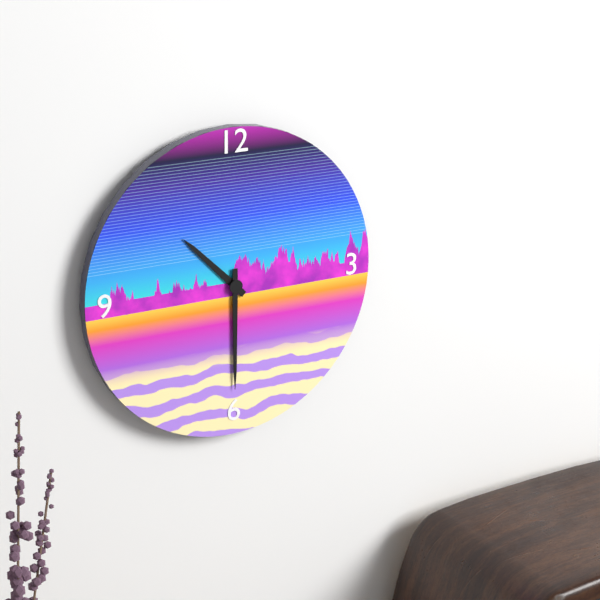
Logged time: h=10 m=30
